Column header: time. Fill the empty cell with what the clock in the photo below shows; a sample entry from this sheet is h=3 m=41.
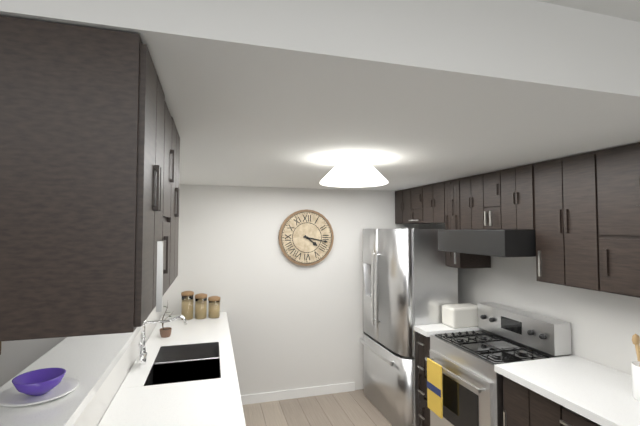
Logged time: h=4 m=17
